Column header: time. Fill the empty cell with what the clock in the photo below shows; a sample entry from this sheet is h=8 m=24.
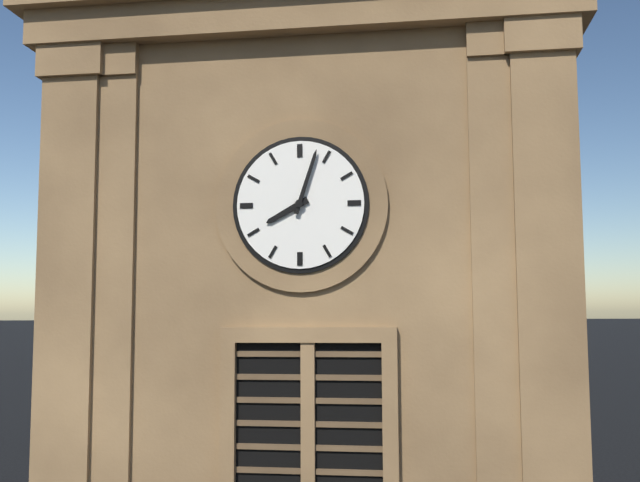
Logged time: h=8 m=3
